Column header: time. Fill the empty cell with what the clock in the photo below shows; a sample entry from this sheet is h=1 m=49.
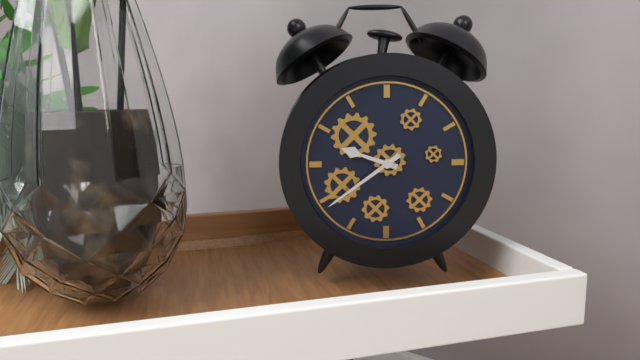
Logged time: h=9 m=39
